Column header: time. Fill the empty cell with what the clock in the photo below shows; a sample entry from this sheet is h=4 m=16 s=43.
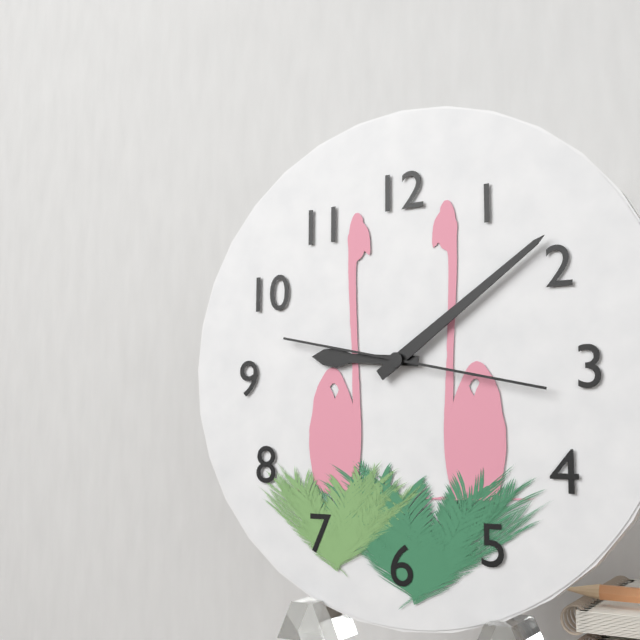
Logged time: h=9 m=9 s=17
